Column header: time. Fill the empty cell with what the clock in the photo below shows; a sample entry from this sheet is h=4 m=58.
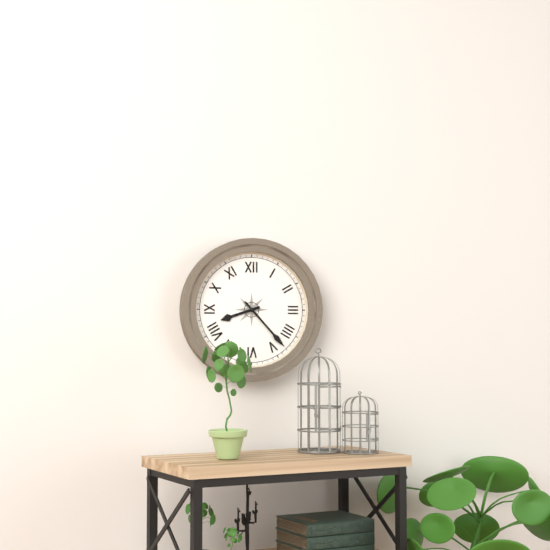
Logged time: h=8 m=23
